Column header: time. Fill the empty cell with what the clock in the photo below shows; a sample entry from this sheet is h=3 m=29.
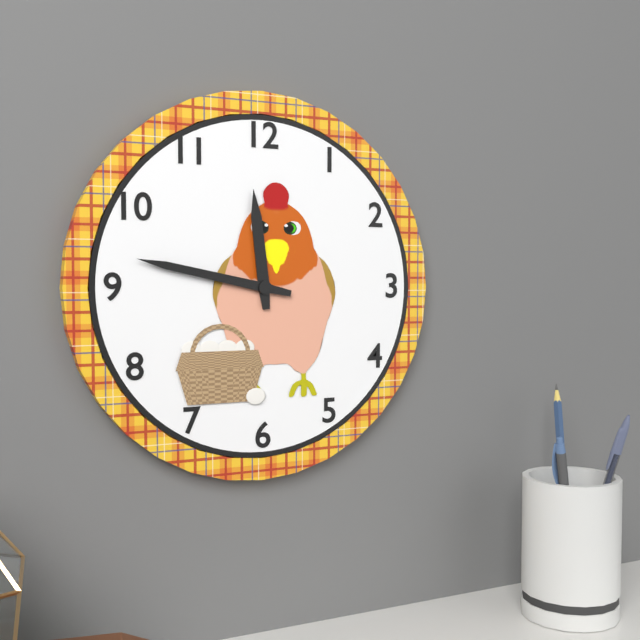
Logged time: h=11 m=47
